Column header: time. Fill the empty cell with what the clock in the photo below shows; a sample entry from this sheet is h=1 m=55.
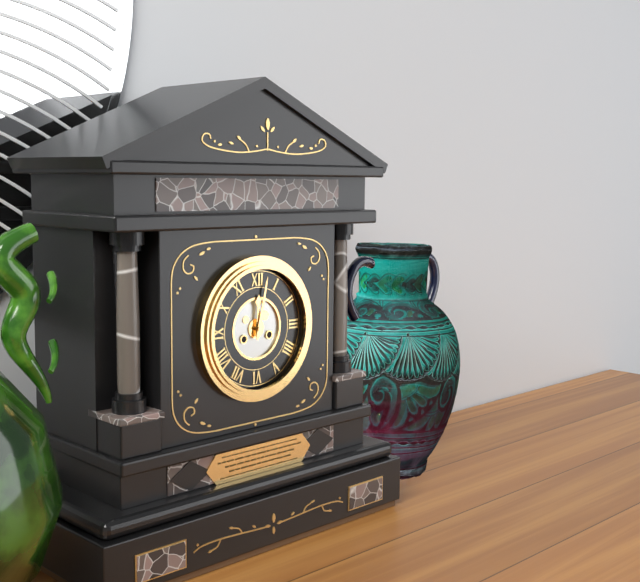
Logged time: h=12 m=2
